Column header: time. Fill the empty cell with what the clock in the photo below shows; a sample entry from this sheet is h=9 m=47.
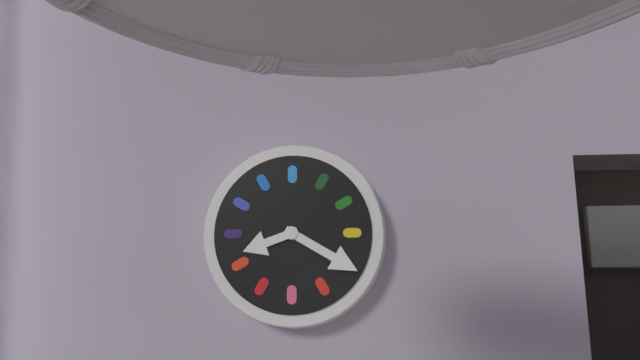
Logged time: h=8 m=20
